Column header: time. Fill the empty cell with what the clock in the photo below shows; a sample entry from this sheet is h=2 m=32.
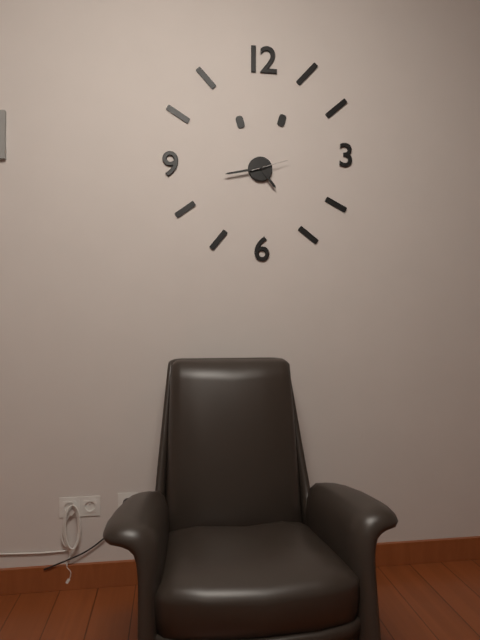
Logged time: h=4 m=43
